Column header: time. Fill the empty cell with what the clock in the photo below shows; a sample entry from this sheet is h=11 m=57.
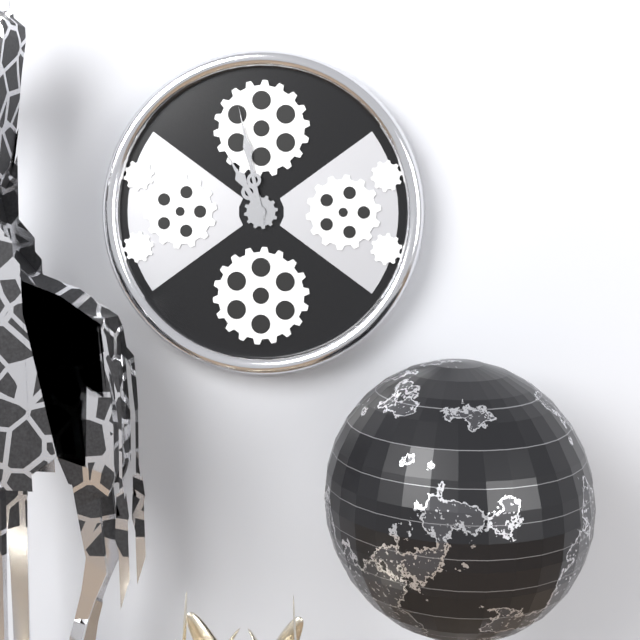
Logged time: h=10 m=58
